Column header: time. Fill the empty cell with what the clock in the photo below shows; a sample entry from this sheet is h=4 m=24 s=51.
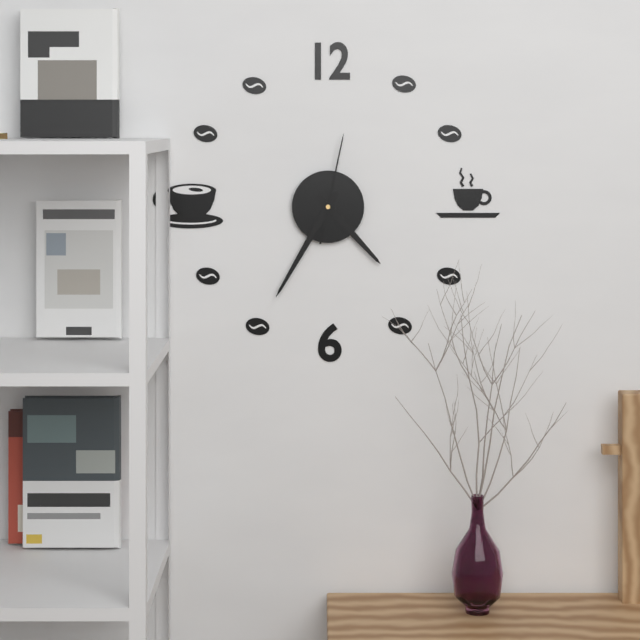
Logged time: h=4 m=35 s=2
